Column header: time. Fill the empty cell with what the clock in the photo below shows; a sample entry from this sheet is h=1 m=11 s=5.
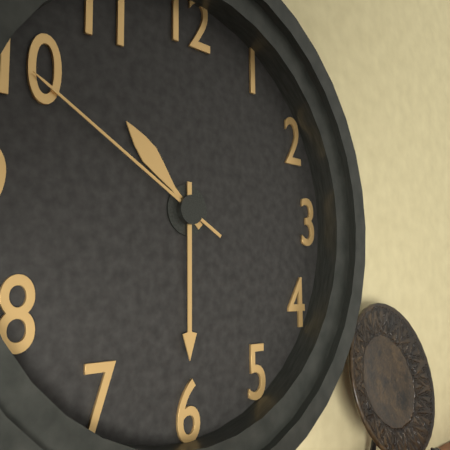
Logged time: h=10 m=30 s=50
